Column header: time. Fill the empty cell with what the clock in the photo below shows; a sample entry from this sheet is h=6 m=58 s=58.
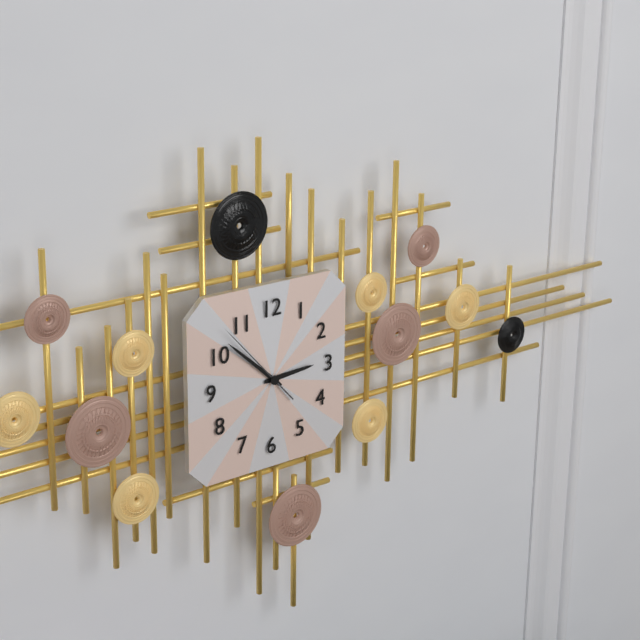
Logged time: h=2 m=52 s=53
